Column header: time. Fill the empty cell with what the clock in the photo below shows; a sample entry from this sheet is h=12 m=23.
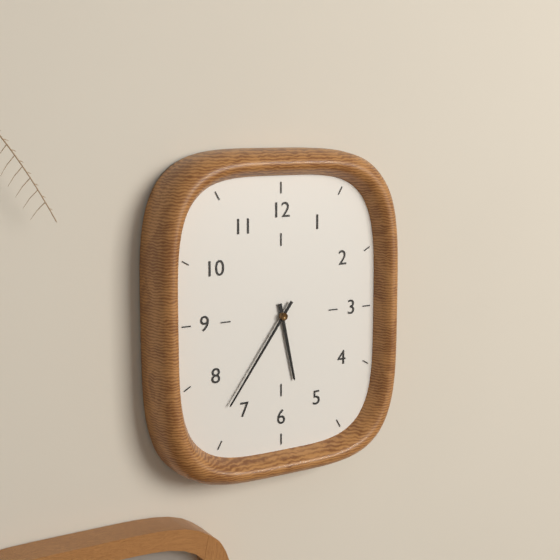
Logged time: h=5 m=36
